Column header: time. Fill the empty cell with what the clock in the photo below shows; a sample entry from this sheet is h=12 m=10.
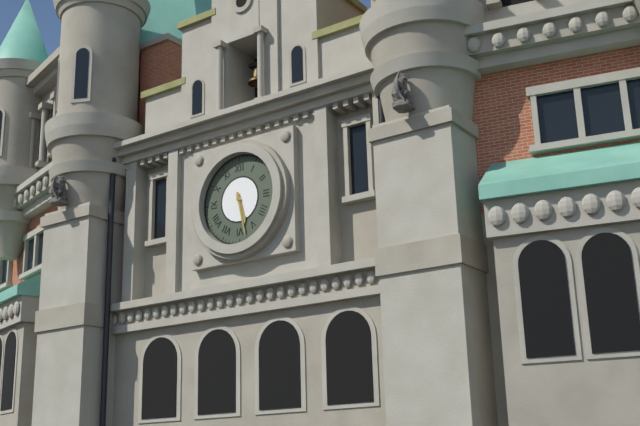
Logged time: h=5 m=28
